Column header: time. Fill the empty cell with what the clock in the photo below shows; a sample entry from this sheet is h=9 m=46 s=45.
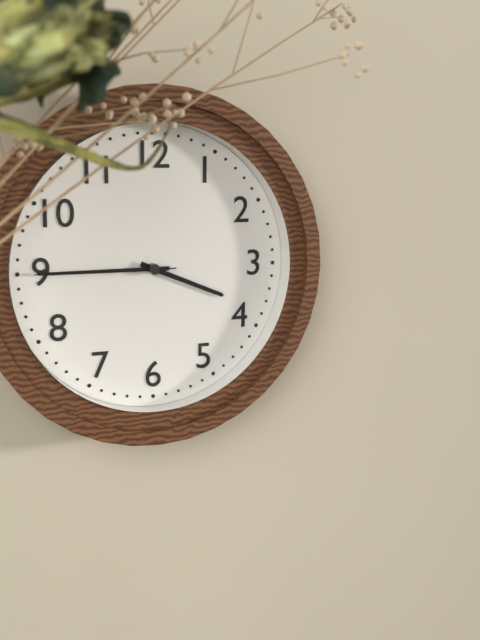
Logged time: h=3 m=45 s=45
